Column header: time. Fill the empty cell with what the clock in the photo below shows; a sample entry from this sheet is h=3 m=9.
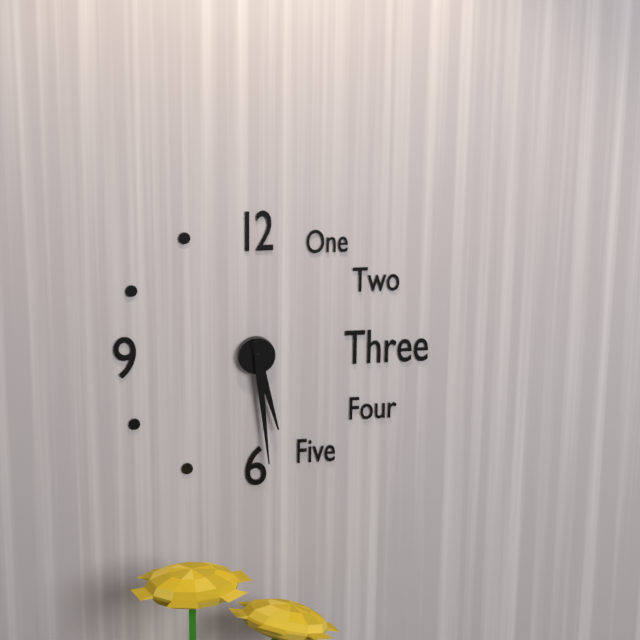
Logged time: h=5 m=29
